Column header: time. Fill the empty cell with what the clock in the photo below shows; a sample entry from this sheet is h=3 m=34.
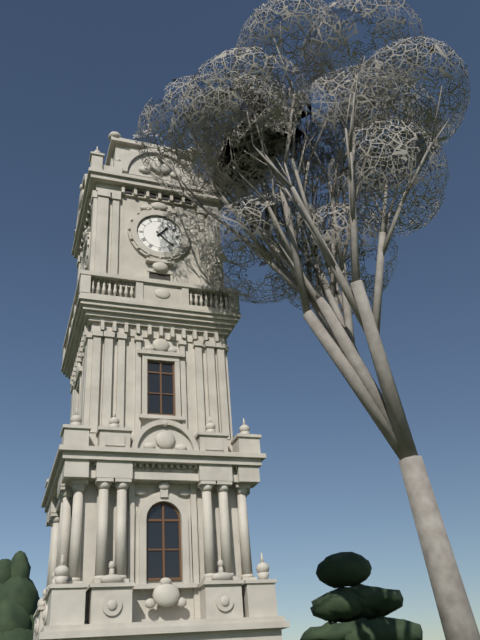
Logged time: h=1 m=22
